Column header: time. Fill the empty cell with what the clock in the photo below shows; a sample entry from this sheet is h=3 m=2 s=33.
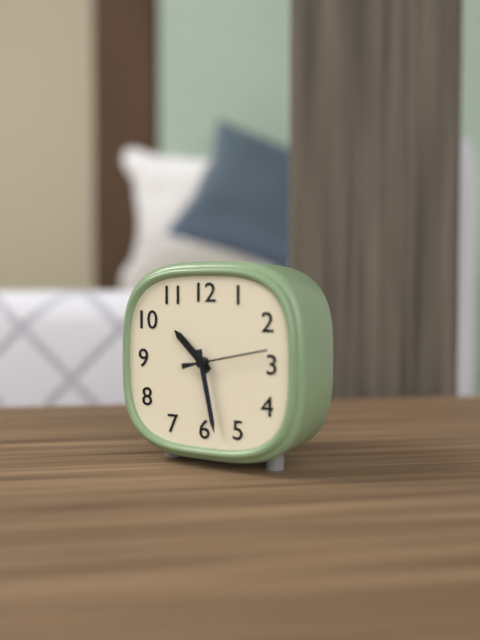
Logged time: h=10 m=28 s=13
